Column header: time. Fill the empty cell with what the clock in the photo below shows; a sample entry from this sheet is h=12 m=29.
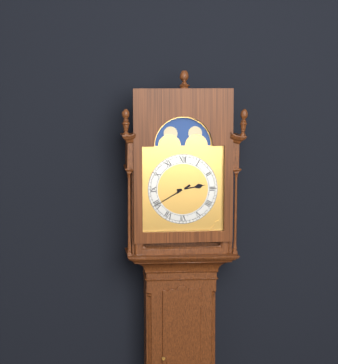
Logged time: h=2 m=40
